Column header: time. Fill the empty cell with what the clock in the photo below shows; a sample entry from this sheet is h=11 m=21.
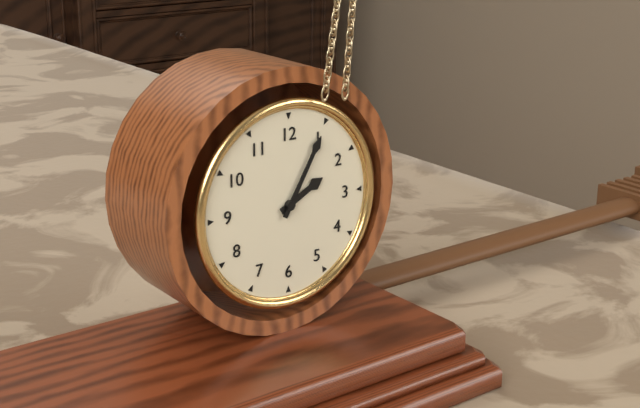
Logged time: h=2 m=5
